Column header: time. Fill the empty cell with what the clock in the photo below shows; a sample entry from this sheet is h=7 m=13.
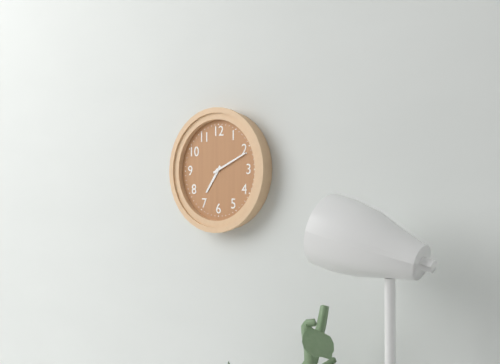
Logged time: h=7 m=11
